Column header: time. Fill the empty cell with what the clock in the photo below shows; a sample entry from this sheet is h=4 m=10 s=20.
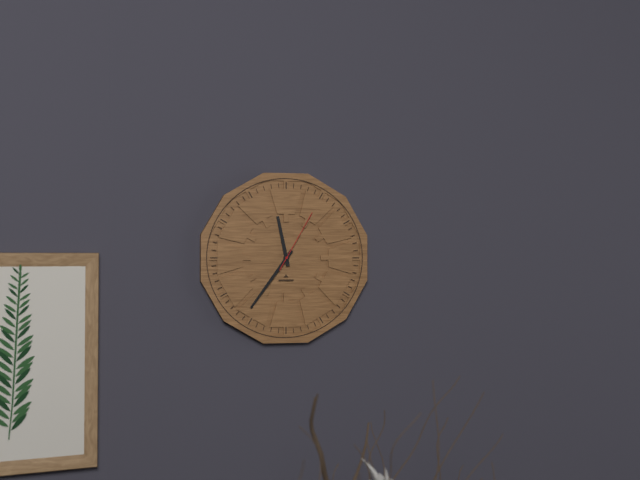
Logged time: h=11 m=36 s=5
